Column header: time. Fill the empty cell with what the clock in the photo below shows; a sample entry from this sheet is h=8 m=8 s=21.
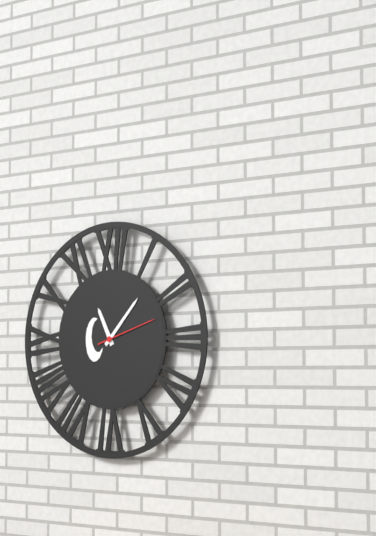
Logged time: h=11 m=7 s=12
